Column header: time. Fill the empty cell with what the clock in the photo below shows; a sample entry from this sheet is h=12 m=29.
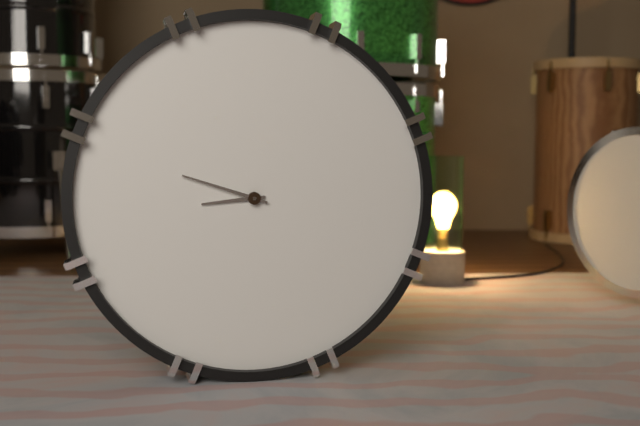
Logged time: h=8 m=48
